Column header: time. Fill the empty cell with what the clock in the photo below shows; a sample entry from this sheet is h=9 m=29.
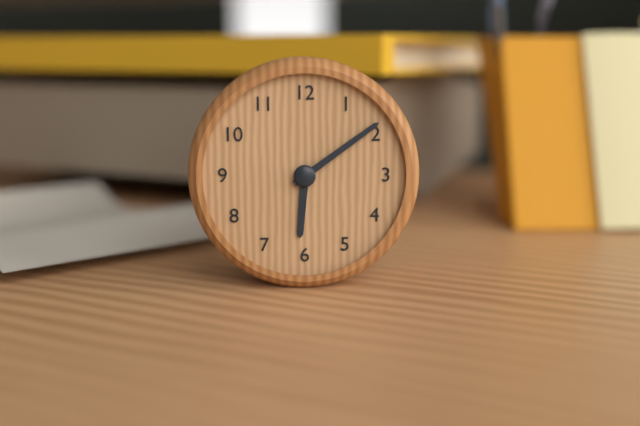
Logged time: h=6 m=9
